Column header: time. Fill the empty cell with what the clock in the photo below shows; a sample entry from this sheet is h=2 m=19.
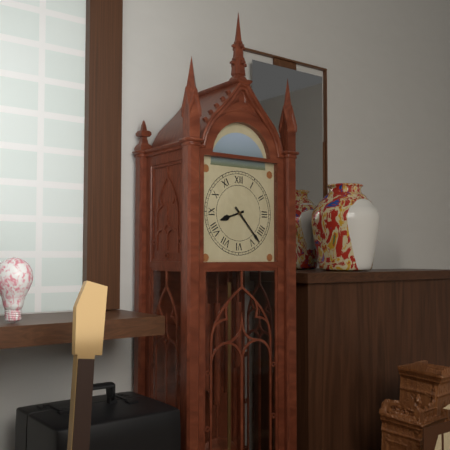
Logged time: h=8 m=23
